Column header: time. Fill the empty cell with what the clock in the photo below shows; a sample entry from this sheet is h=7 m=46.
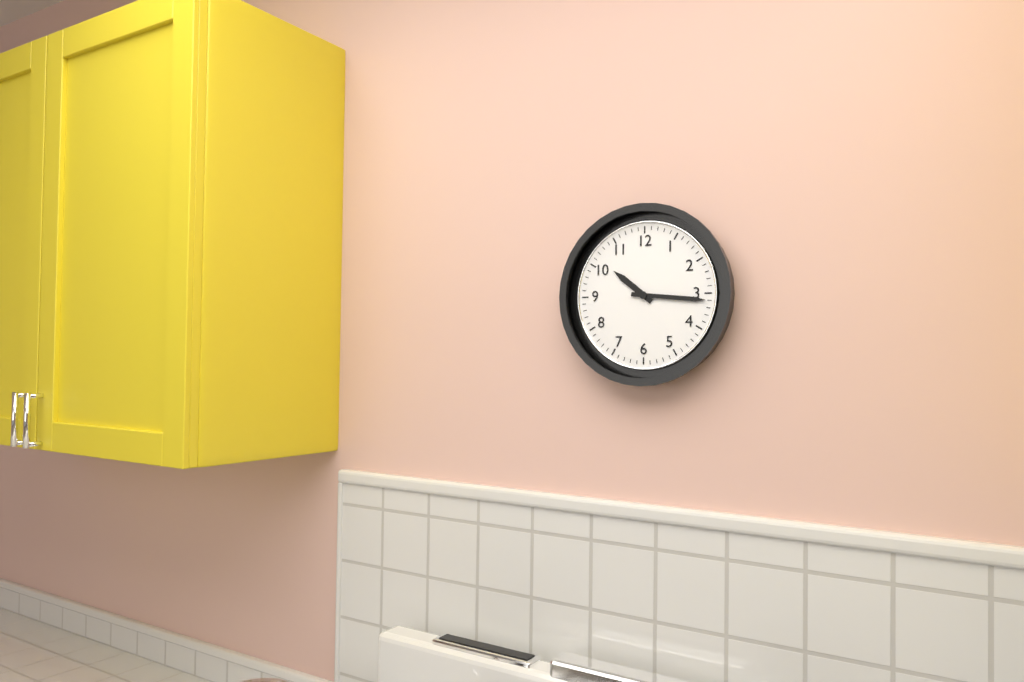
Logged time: h=10 m=16
